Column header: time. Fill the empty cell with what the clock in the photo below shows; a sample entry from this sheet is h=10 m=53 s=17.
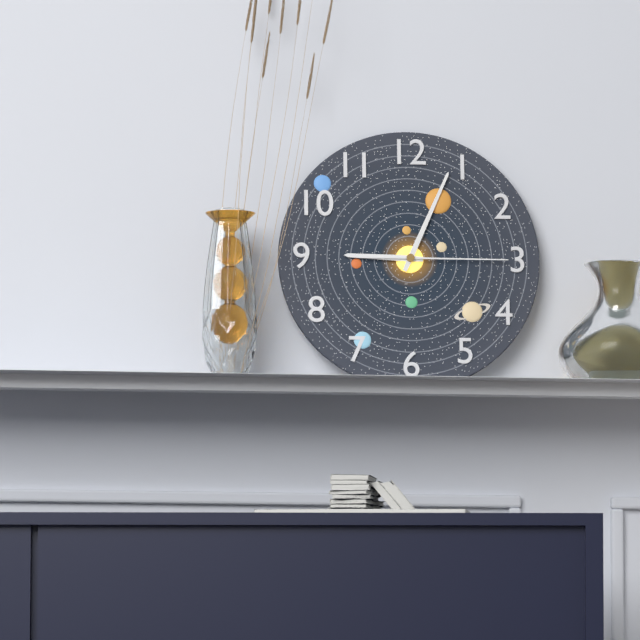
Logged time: h=9 m=4 s=15
